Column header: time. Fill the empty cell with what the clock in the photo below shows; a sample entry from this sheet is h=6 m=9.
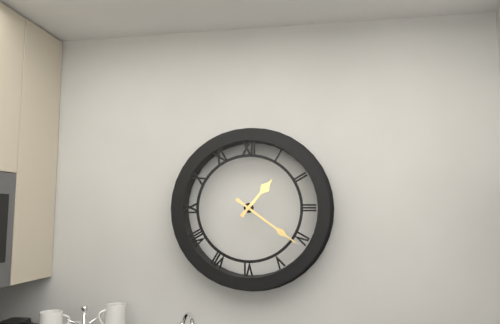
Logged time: h=1 m=21
